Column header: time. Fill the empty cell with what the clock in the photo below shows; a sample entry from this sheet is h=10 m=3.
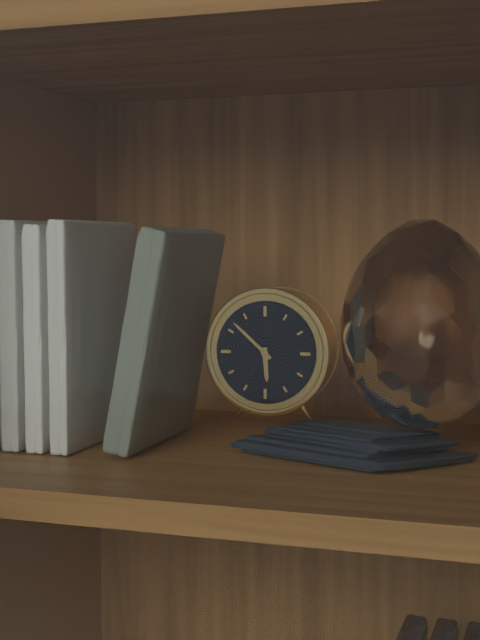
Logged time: h=5 m=52
